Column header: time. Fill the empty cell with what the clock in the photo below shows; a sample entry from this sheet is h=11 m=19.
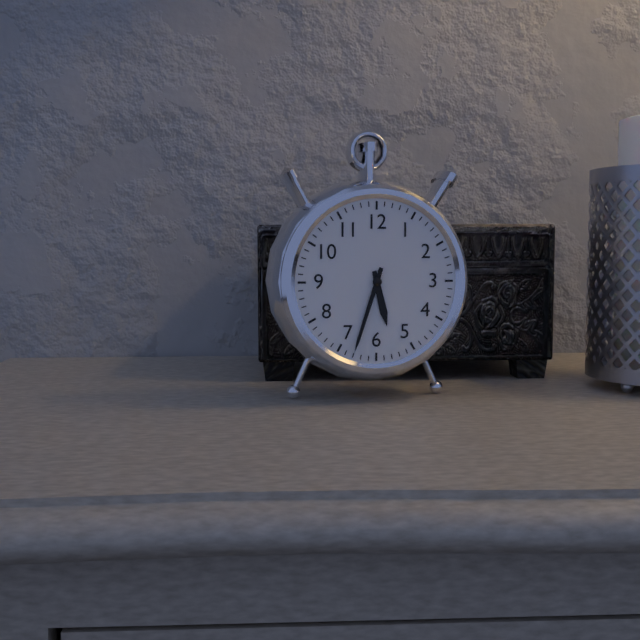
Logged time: h=5 m=33
